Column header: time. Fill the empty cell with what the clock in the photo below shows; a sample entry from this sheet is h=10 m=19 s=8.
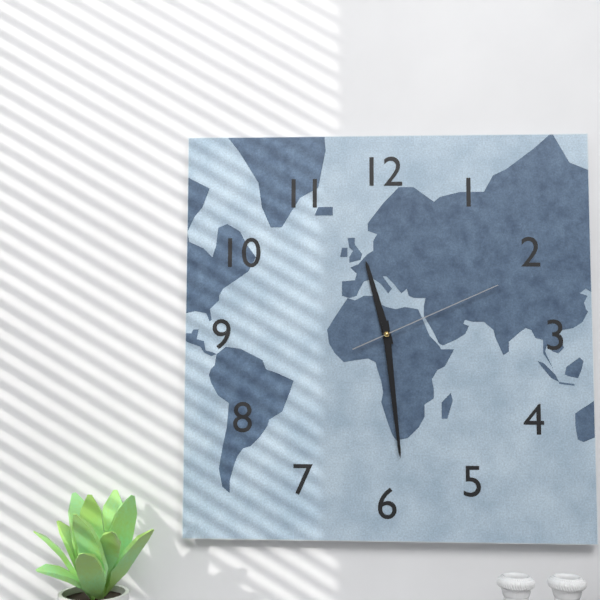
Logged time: h=11 m=29 s=11
